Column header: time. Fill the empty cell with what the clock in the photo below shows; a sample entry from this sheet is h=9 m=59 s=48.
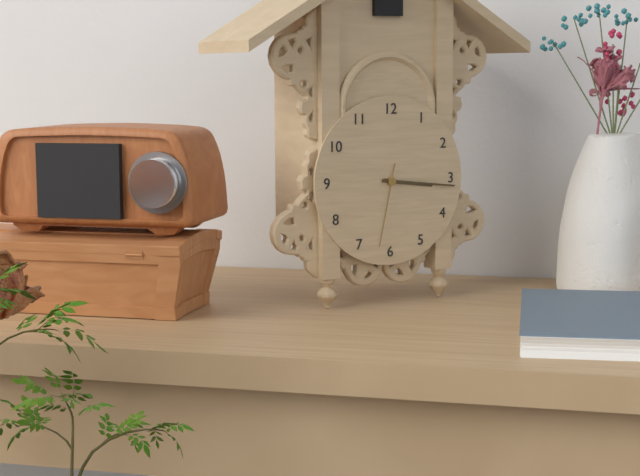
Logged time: h=3 m=16 s=32
